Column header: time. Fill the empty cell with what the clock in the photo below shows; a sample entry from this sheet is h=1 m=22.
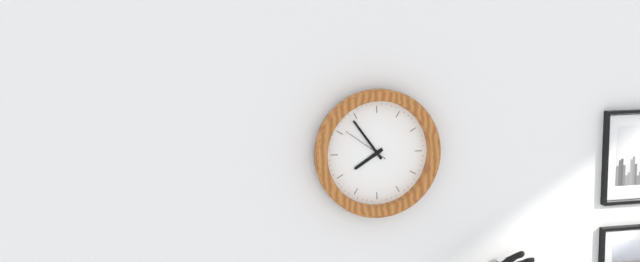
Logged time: h=7 m=54
